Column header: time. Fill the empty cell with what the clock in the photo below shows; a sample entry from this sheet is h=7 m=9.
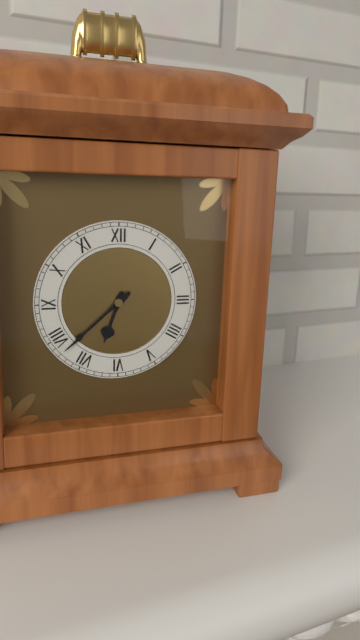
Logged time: h=6 m=38
